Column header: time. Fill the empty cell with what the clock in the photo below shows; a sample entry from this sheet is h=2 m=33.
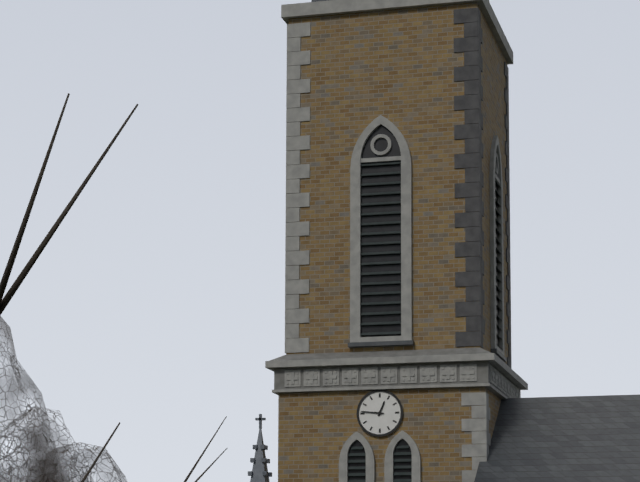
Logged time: h=12 m=46
